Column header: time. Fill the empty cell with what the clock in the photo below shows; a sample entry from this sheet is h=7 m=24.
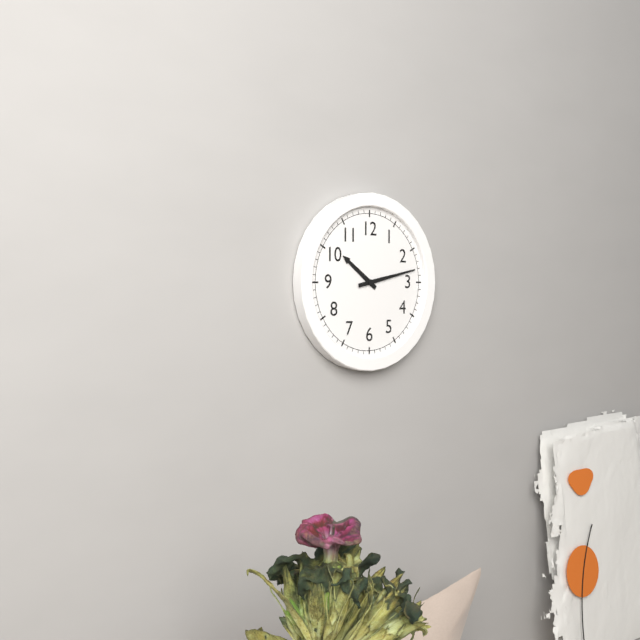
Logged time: h=10 m=13
